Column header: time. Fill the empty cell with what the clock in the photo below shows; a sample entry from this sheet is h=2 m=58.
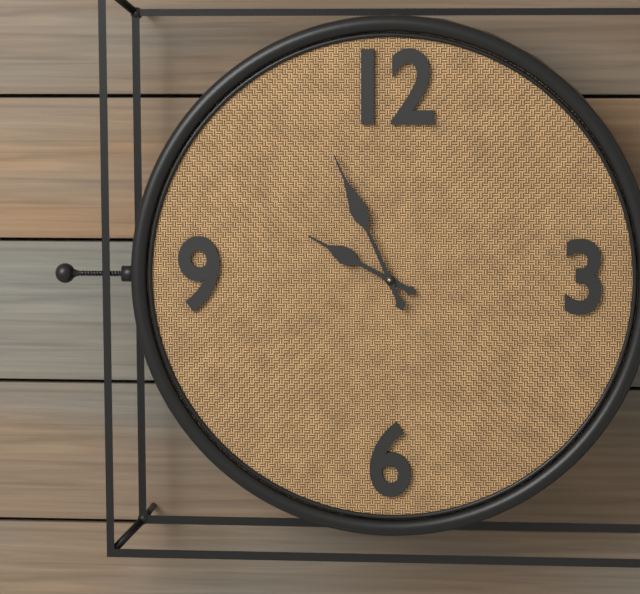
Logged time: h=9 m=56
